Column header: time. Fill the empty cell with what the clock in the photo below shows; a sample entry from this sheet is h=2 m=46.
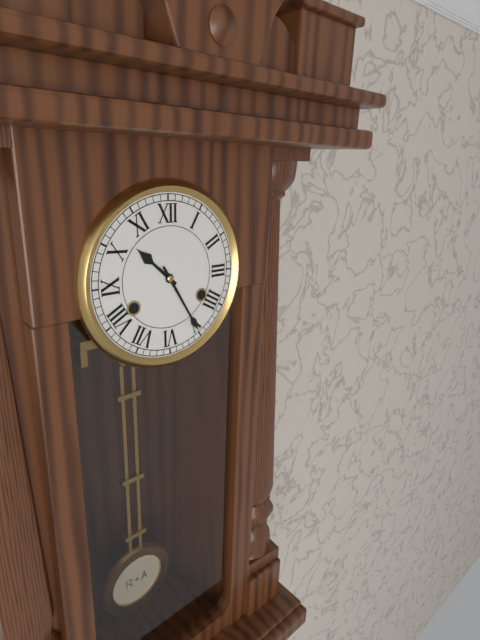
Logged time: h=10 m=25
